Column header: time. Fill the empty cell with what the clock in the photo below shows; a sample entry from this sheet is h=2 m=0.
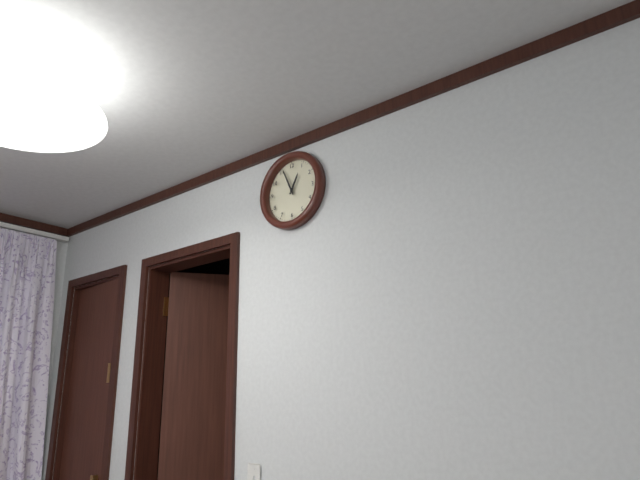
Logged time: h=12 m=56
